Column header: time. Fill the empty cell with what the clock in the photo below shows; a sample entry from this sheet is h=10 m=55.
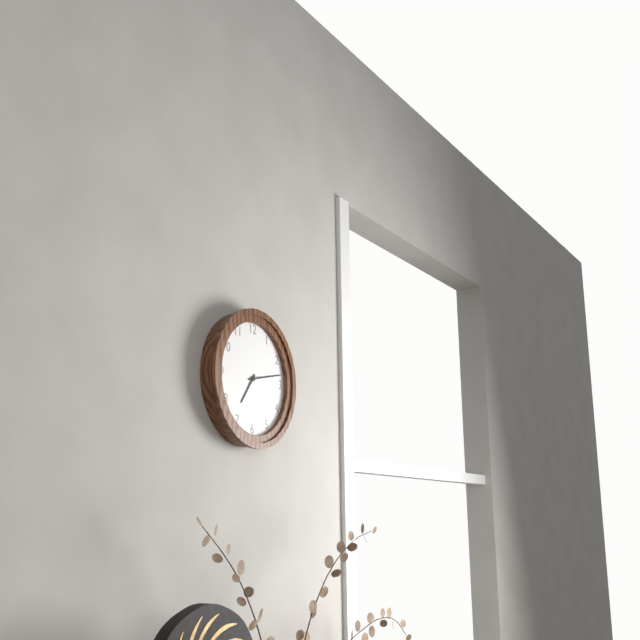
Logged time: h=7 m=13
